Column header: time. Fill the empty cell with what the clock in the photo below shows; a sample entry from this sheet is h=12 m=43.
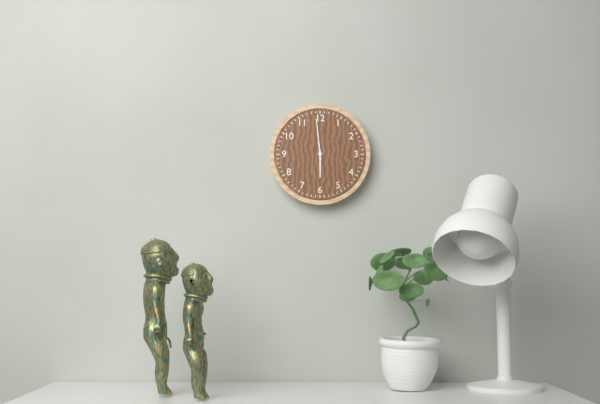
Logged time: h=5 m=59
